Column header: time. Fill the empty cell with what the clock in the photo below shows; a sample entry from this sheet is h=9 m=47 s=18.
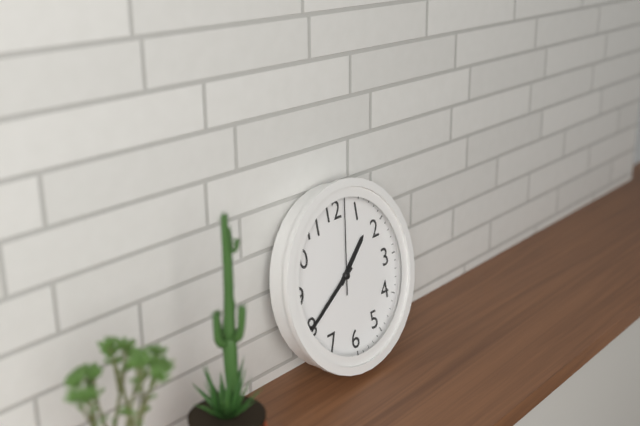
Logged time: h=1 m=40 s=2
